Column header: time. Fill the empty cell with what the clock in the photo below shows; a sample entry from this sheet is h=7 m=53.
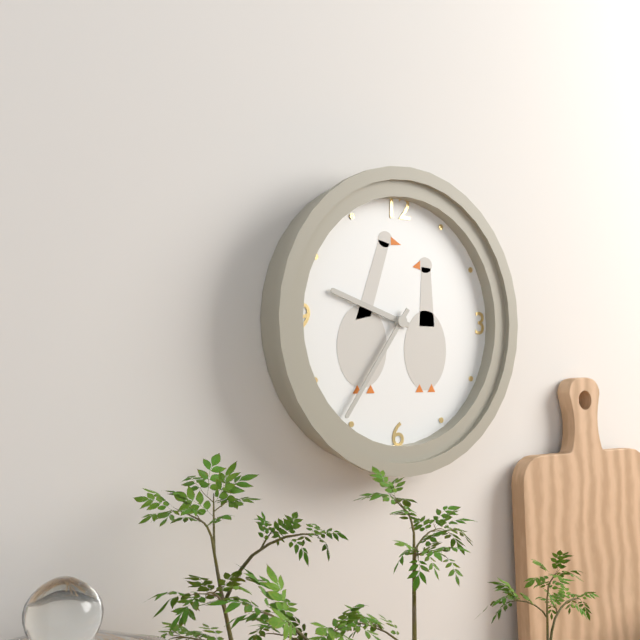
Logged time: h=9 m=36
